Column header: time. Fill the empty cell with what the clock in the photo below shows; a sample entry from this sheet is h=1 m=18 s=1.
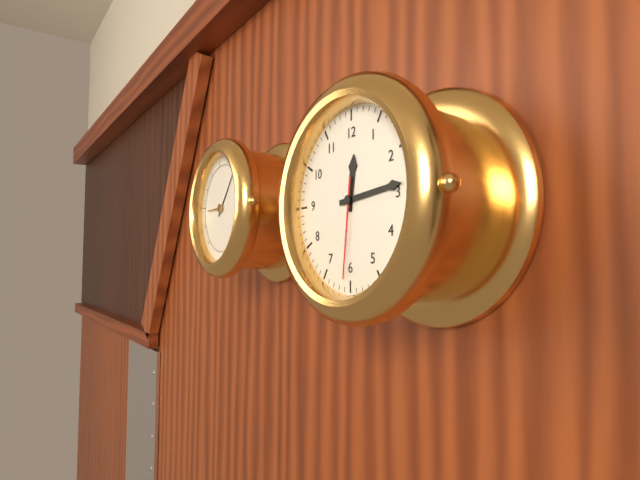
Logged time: h=12 m=14 s=31
